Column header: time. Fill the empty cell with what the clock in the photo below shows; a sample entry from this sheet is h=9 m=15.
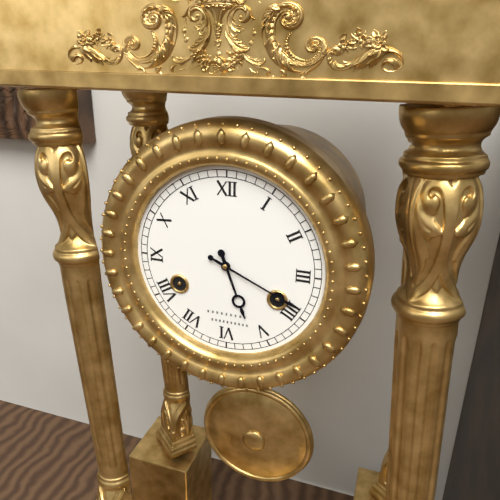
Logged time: h=5 m=19
